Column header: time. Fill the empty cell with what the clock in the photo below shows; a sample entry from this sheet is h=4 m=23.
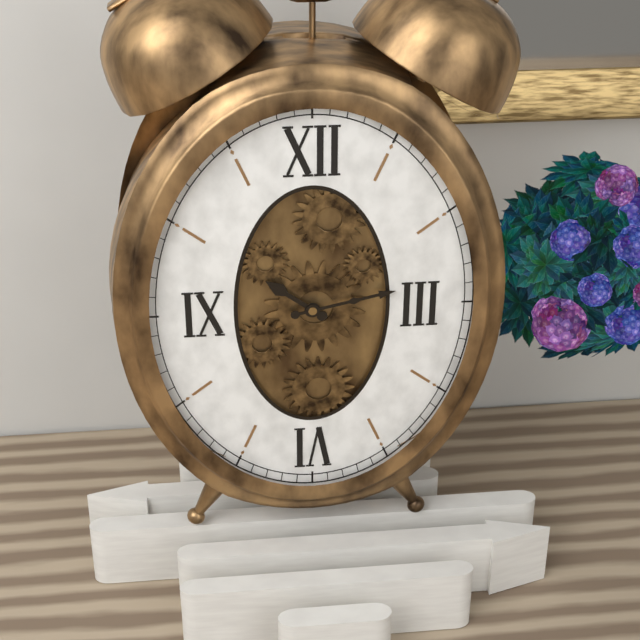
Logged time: h=10 m=13
